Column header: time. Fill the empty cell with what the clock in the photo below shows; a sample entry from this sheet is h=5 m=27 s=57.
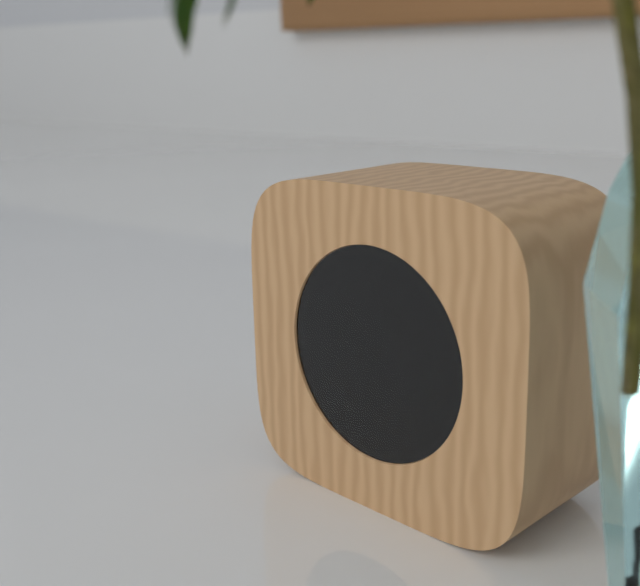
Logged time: h=8 m=55 s=59
